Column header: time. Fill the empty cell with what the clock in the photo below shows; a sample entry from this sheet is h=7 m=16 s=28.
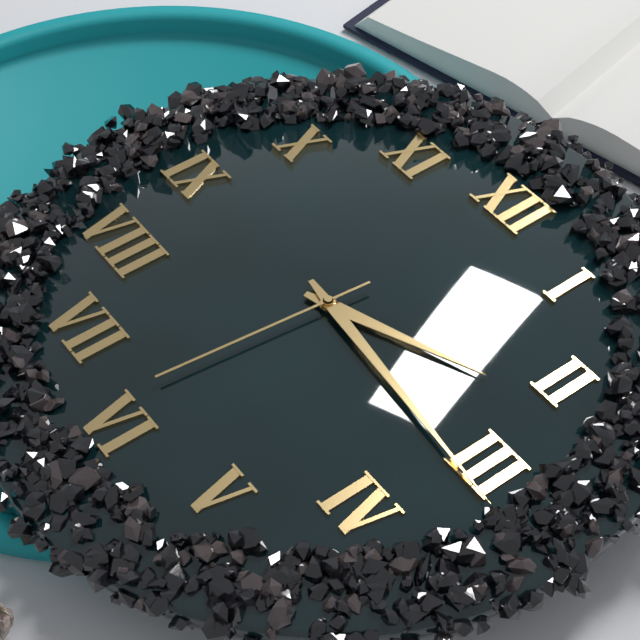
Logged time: h=2 m=16 s=31
